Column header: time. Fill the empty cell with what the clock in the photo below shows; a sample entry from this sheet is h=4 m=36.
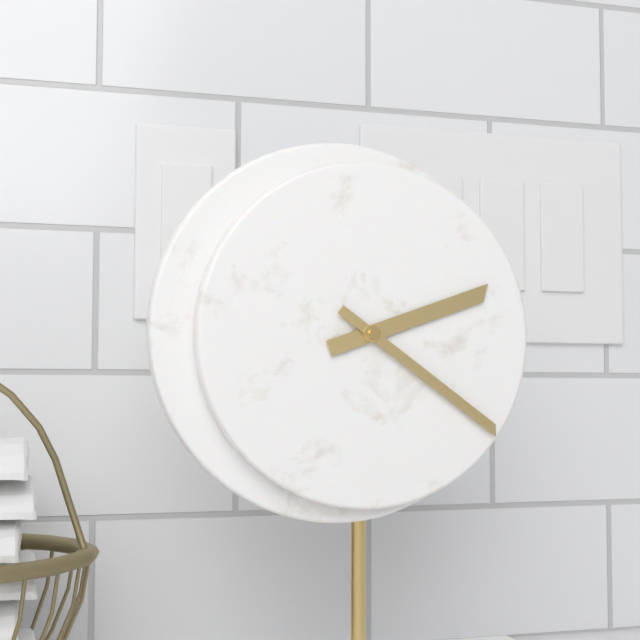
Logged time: h=2 m=21
